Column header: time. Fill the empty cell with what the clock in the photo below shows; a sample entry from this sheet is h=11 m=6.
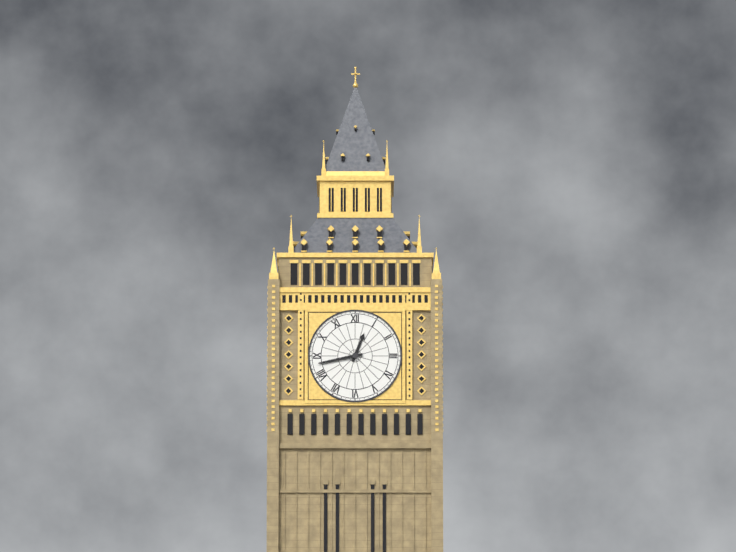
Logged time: h=12 m=43
